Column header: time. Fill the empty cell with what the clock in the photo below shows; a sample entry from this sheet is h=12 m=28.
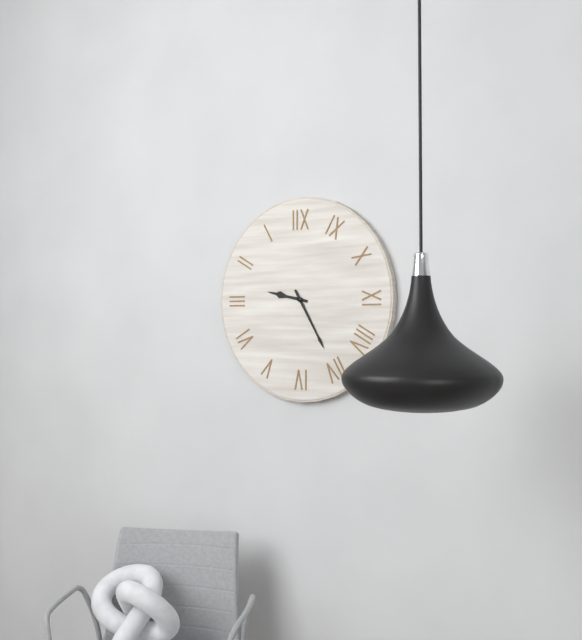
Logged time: h=9 m=25
